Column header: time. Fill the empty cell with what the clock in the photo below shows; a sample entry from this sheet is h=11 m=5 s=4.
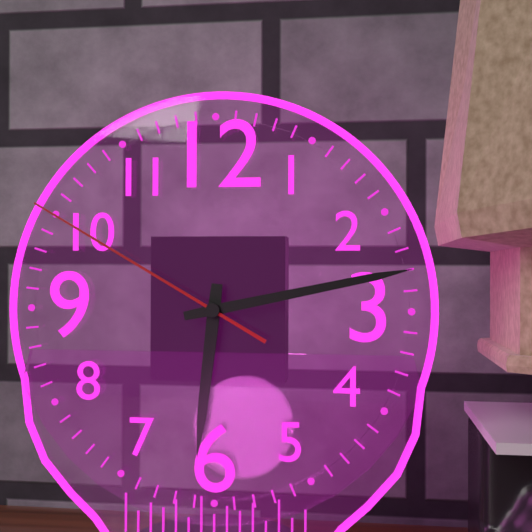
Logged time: h=6 m=13 s=50
